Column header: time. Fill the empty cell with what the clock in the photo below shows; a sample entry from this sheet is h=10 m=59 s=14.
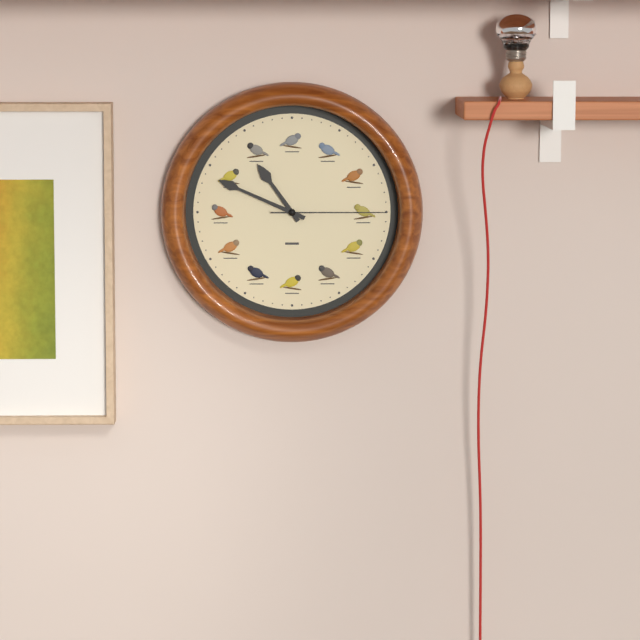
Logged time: h=10 m=49 s=15
